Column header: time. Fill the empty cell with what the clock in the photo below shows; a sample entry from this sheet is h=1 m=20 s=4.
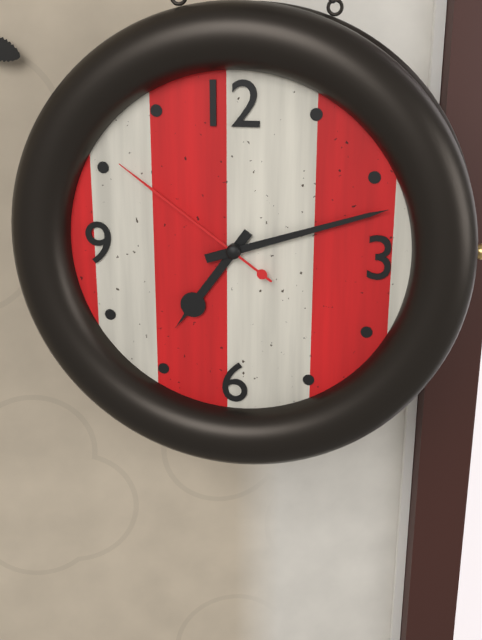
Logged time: h=7 m=12 s=51
